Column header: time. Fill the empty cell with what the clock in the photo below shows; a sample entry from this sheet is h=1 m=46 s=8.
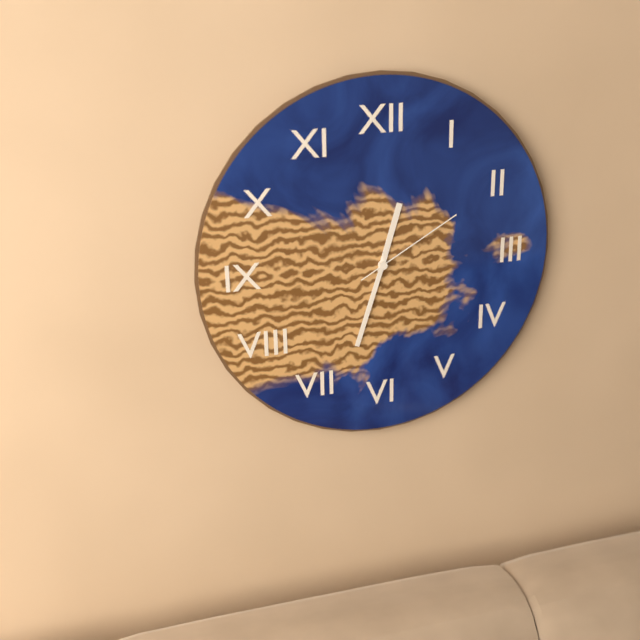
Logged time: h=12 m=33 s=10
